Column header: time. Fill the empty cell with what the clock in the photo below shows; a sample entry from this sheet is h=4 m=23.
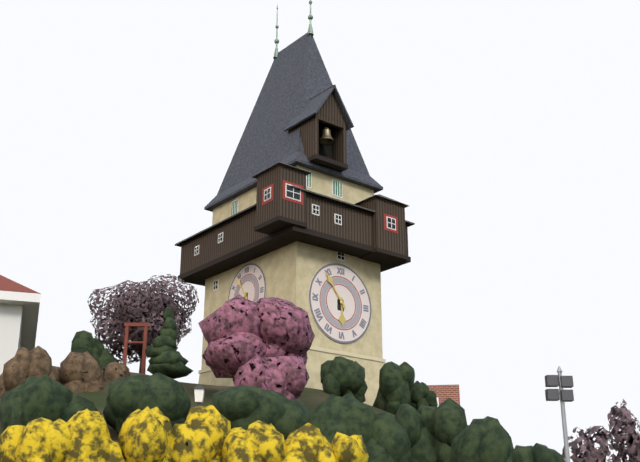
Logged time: h=5 m=54
